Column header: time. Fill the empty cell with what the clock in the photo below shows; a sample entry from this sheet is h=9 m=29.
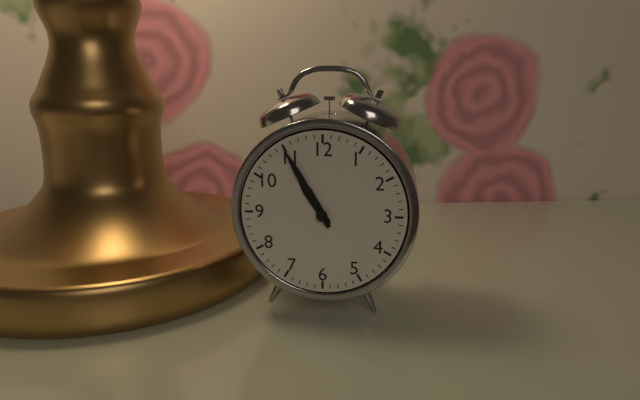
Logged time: h=10 m=55
